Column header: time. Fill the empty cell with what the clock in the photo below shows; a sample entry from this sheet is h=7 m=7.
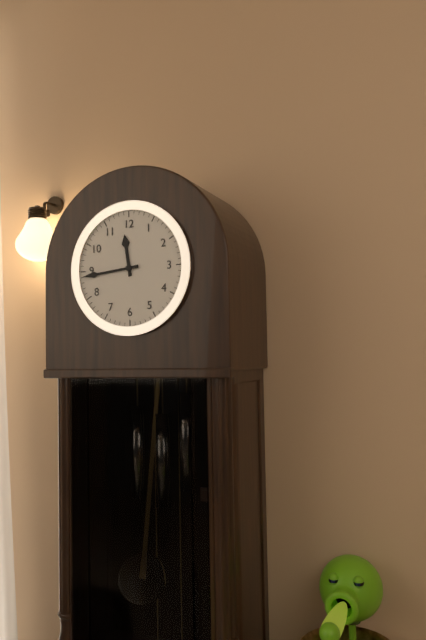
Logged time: h=11 m=44
